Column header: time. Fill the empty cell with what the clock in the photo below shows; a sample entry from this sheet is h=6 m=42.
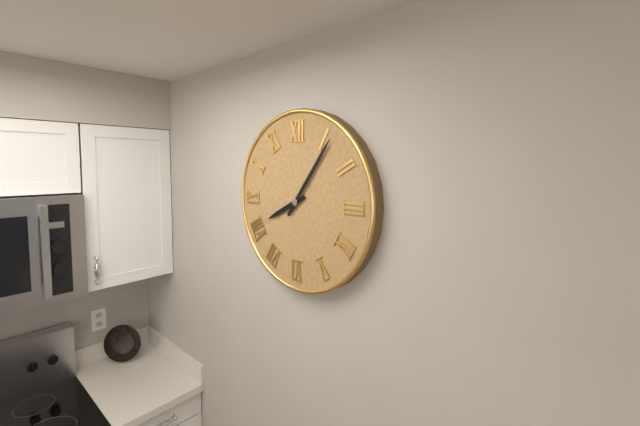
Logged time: h=8 m=6
